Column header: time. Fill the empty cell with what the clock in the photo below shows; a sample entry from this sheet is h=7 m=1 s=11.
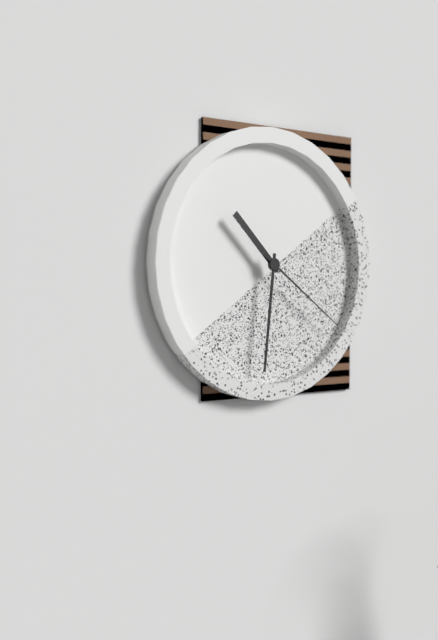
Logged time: h=10 m=31 s=21
